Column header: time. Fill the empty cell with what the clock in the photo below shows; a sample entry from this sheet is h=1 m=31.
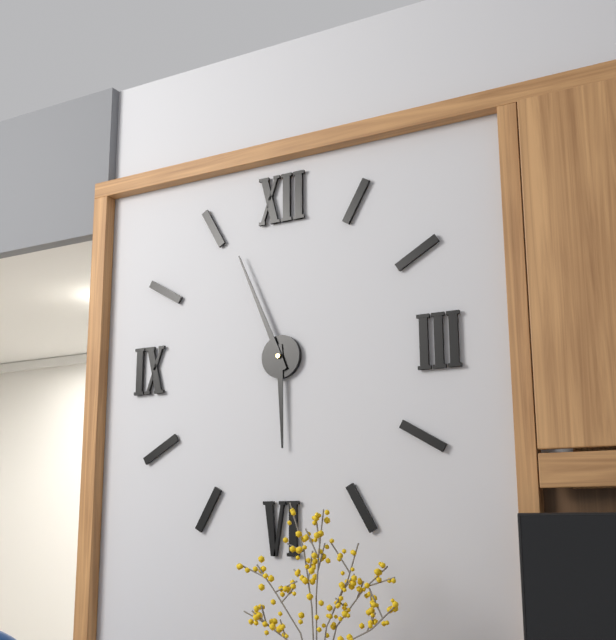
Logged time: h=5 m=56
